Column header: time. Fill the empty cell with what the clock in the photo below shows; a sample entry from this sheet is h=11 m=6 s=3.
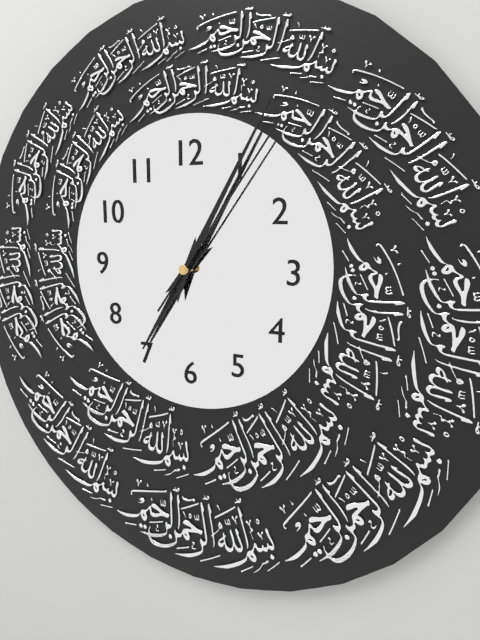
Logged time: h=7 m=5 s=6
